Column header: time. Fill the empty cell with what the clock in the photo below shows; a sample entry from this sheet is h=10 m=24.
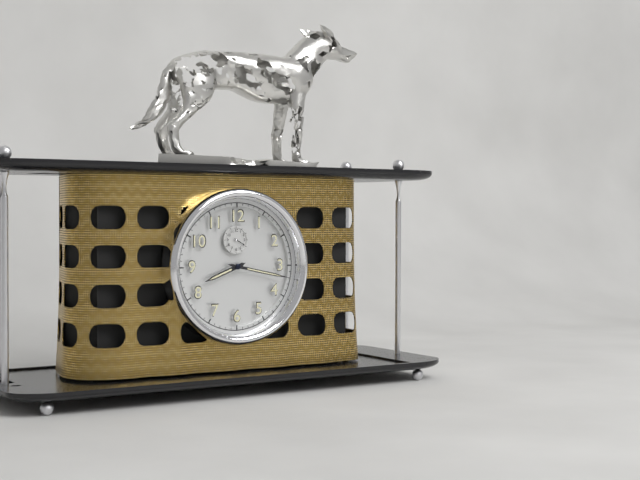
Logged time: h=8 m=17
